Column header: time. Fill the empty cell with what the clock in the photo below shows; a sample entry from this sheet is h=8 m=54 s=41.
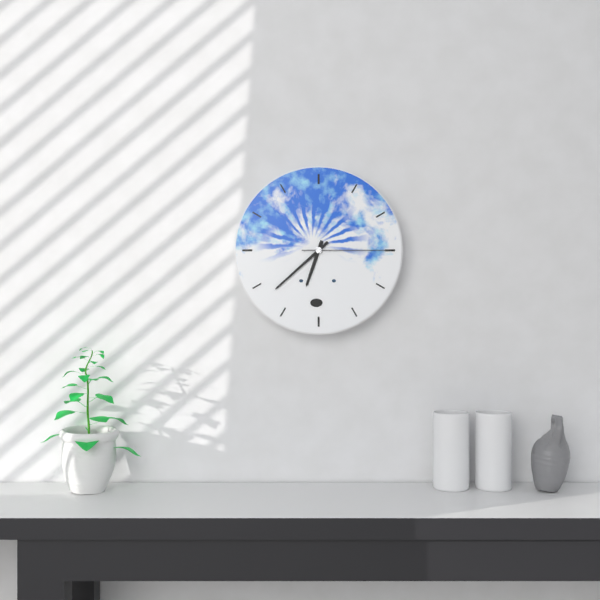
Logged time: h=6 m=38 s=15
